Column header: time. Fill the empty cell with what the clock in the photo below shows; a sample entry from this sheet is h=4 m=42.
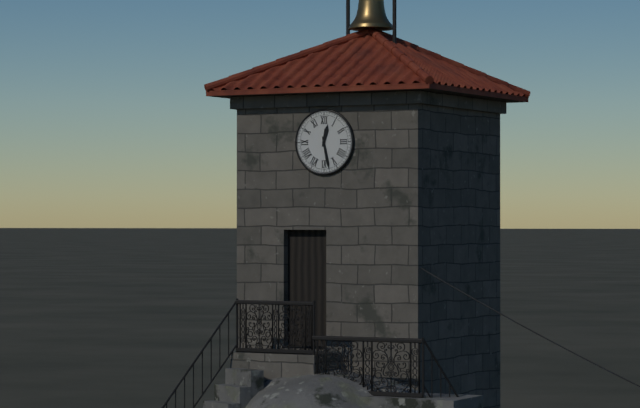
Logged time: h=12 m=28
